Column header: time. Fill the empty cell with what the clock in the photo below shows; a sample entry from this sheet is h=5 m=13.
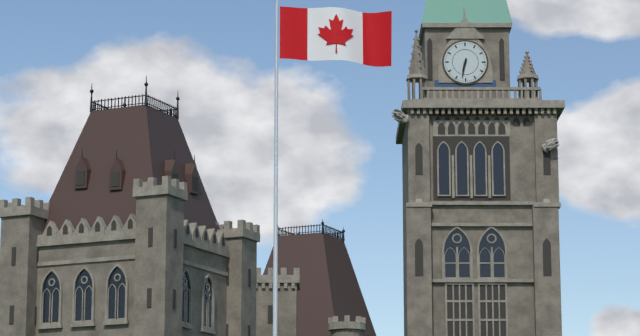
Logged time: h=6 m=32
